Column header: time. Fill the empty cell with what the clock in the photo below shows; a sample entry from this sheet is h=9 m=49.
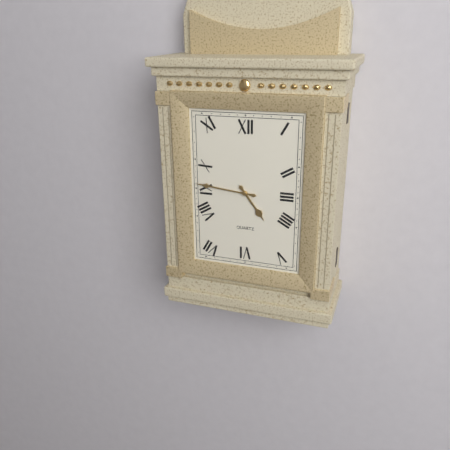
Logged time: h=4 m=46
